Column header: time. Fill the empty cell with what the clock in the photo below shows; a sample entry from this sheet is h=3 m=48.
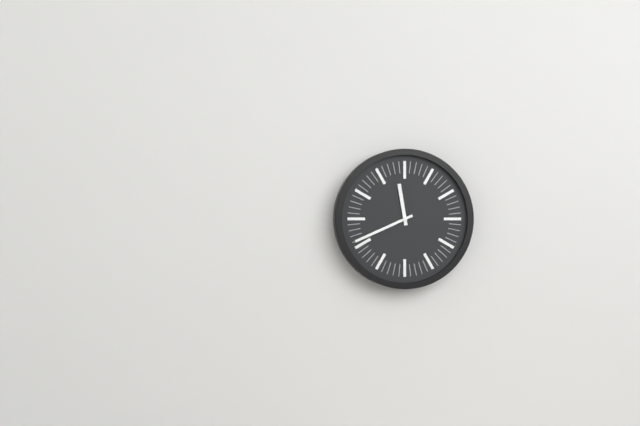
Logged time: h=11 m=41
